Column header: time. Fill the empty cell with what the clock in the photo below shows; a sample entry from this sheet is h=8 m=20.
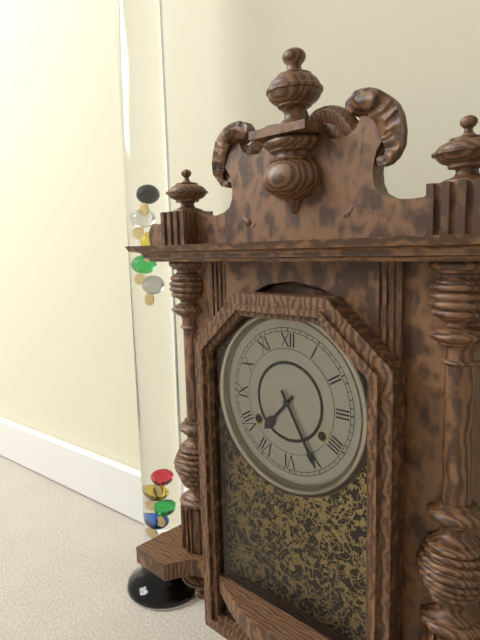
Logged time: h=7 m=25
